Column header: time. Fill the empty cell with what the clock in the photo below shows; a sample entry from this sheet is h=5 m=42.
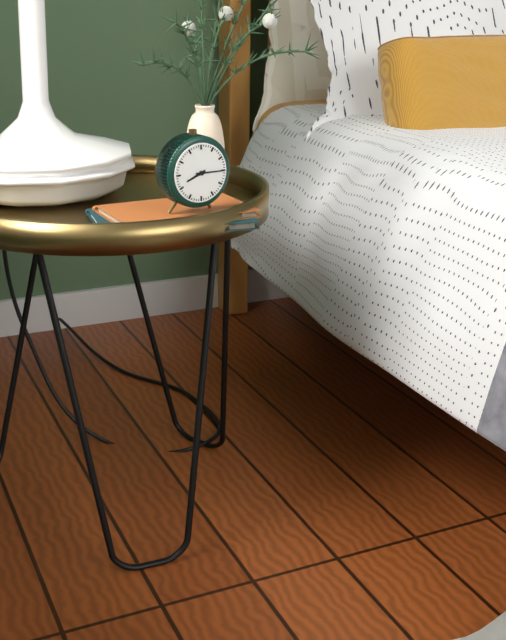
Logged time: h=8 m=15
